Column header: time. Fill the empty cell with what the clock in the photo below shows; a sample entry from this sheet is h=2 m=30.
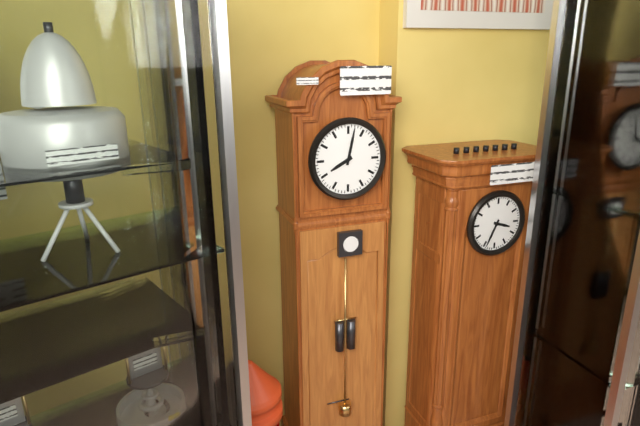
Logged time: h=8 m=2
